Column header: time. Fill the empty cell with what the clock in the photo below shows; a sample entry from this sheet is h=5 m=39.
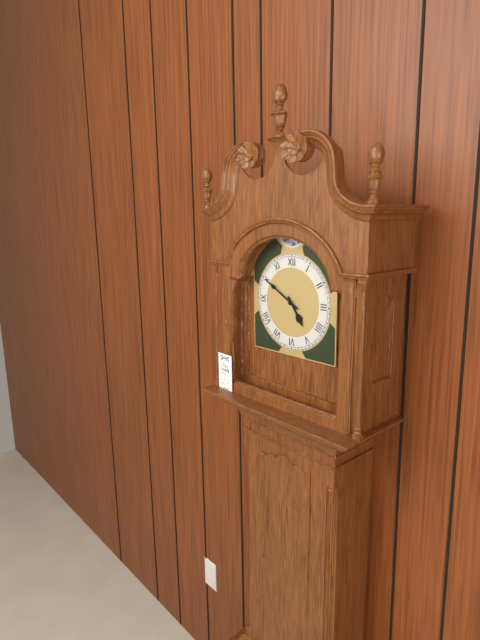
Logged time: h=4 m=50
